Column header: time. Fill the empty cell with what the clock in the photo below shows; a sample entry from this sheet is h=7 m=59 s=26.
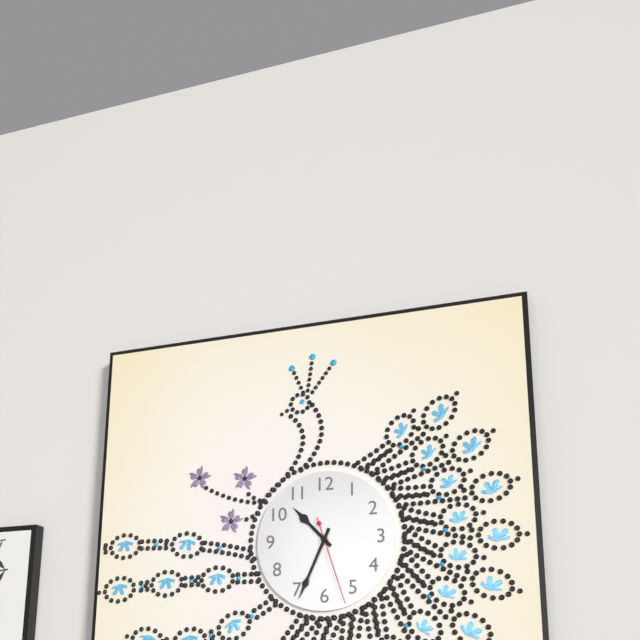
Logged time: h=10 m=34 s=27
